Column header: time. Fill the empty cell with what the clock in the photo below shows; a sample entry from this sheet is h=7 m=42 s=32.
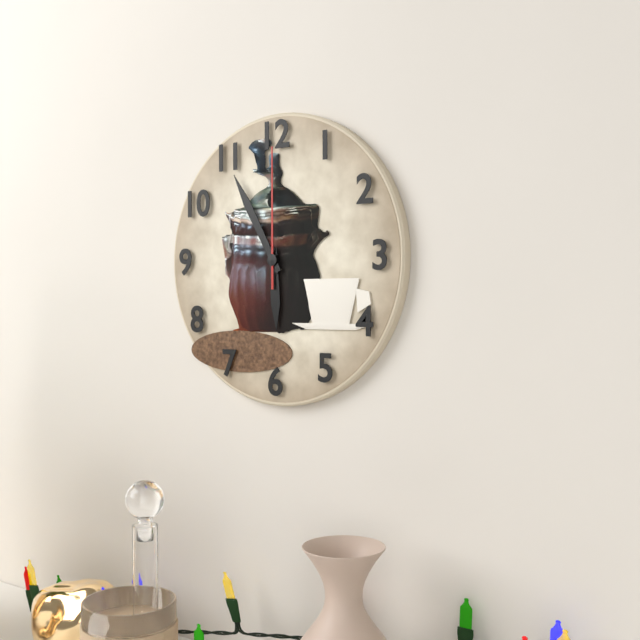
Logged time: h=5 m=55 s=0
